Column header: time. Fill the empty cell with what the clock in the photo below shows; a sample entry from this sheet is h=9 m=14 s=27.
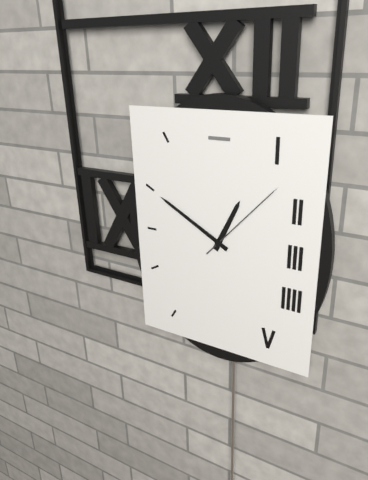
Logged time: h=12 m=50 s=7
